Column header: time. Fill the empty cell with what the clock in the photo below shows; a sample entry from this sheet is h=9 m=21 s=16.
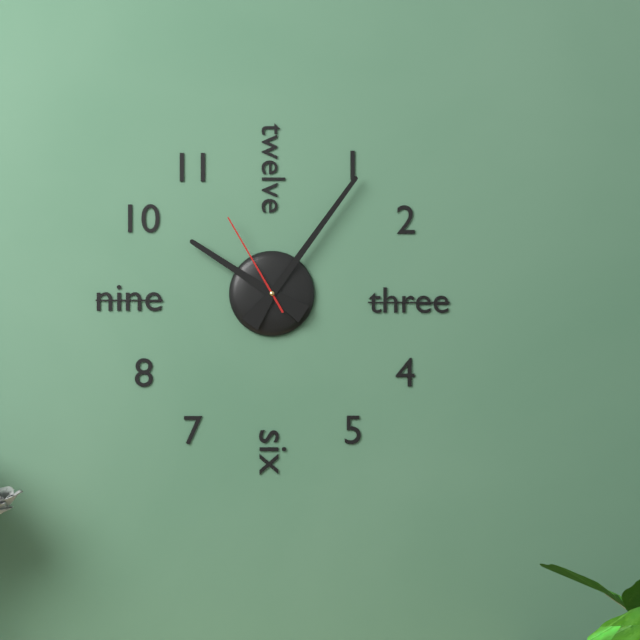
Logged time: h=10 m=6 s=55
